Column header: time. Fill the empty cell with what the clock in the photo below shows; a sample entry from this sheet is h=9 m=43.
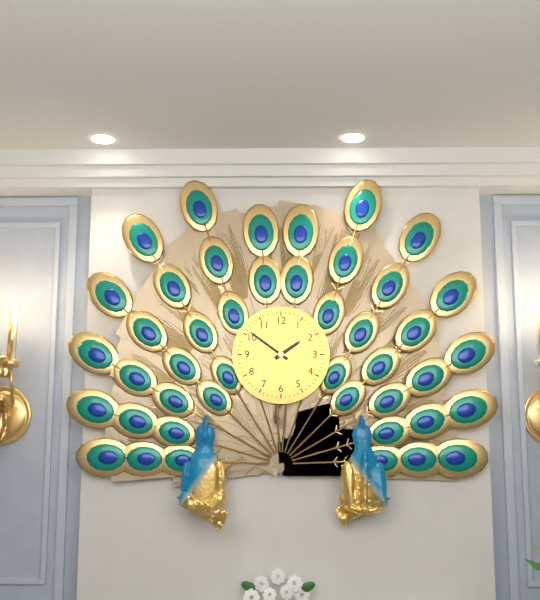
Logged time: h=1 m=51
